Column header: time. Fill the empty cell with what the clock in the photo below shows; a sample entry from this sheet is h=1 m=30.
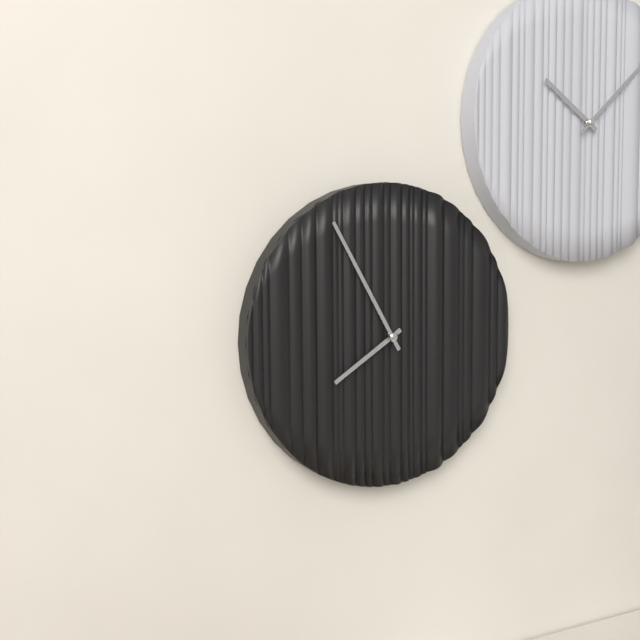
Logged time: h=7 m=55
